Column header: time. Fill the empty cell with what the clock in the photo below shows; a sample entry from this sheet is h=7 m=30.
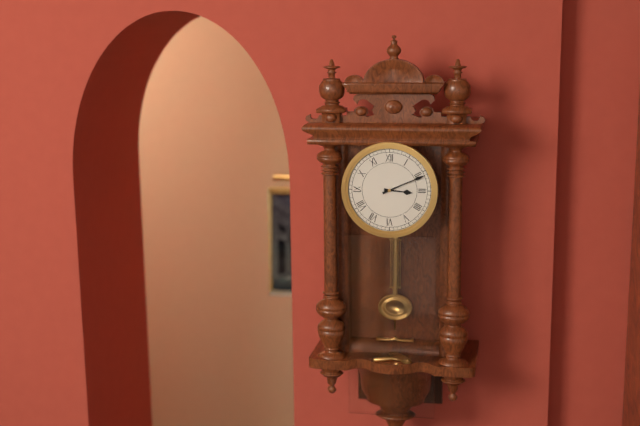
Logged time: h=3 m=11
